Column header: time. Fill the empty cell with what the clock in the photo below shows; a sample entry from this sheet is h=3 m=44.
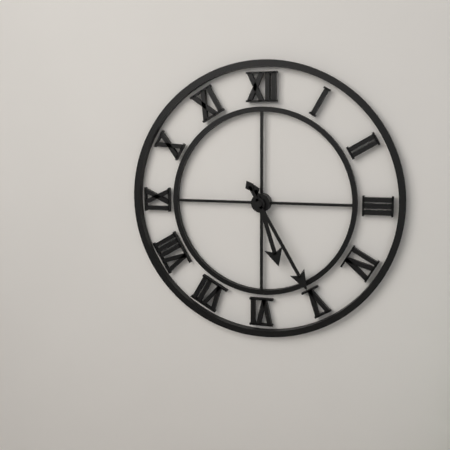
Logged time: h=5 m=25
